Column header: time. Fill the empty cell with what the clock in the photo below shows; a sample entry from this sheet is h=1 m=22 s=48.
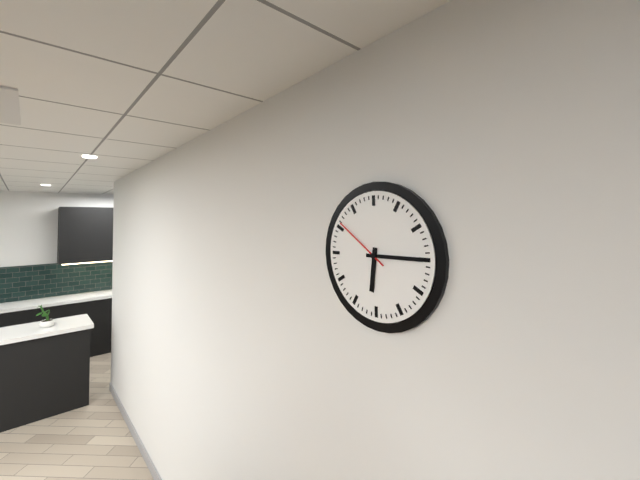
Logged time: h=6 m=15 s=51
